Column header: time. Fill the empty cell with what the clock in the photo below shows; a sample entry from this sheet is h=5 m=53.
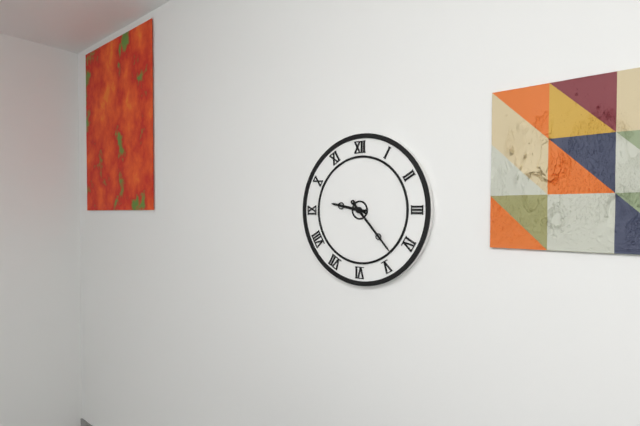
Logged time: h=9 m=23
